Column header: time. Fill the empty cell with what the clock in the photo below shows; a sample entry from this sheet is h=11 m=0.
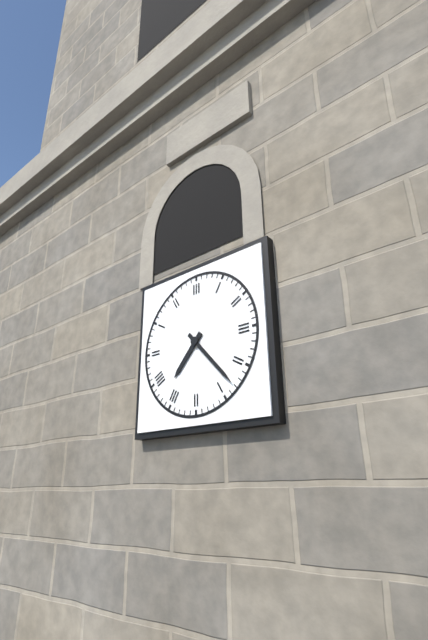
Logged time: h=7 m=23
